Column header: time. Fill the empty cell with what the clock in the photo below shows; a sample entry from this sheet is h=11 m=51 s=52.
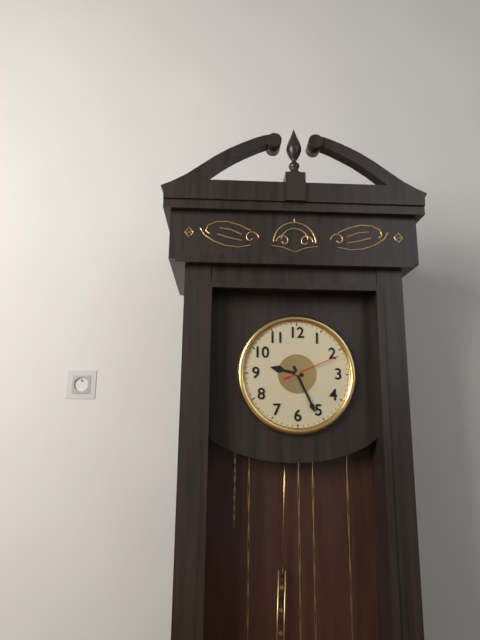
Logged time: h=9 m=26 s=11
